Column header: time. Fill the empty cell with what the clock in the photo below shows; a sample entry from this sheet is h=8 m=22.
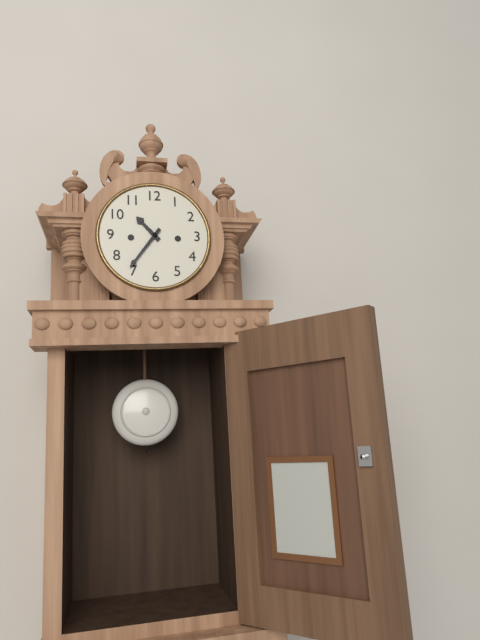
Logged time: h=10 m=36
